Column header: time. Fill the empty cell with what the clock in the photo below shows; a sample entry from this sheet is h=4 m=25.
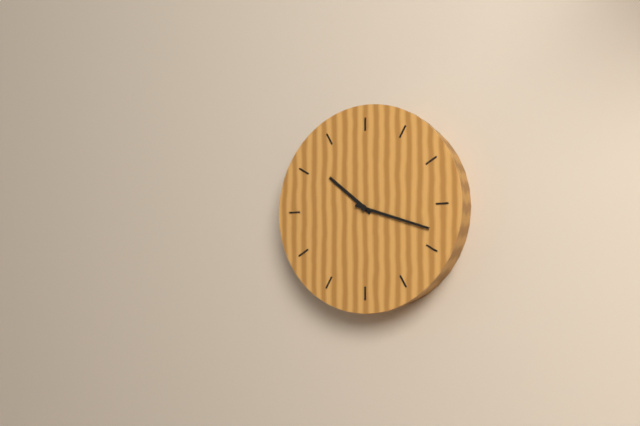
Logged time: h=10 m=18
